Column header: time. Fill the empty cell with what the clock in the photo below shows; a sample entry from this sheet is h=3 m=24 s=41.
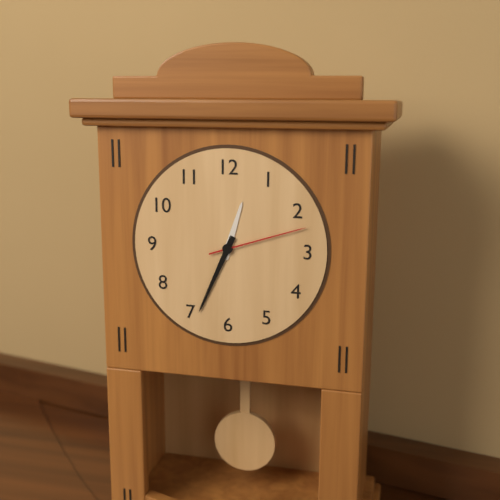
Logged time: h=12 m=34 s=12
